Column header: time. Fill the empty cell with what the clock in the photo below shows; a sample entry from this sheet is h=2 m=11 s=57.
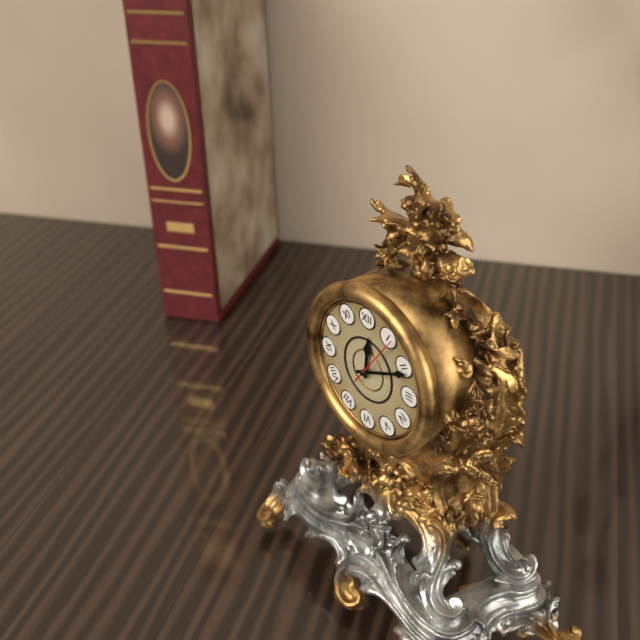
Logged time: h=12 m=11 s=6
